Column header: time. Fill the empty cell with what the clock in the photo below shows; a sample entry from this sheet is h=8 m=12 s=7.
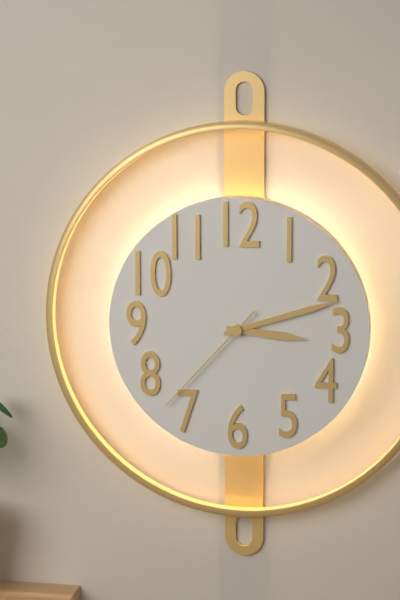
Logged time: h=3 m=12 s=37
